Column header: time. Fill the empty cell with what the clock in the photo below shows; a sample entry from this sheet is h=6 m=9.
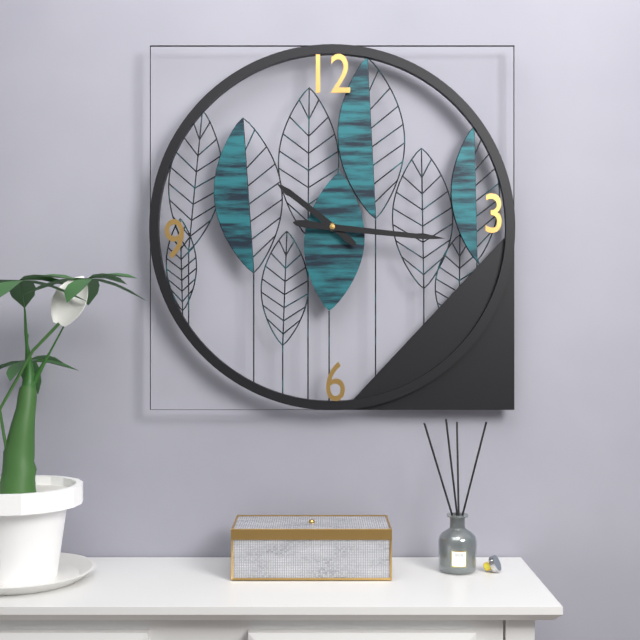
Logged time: h=10 m=16
